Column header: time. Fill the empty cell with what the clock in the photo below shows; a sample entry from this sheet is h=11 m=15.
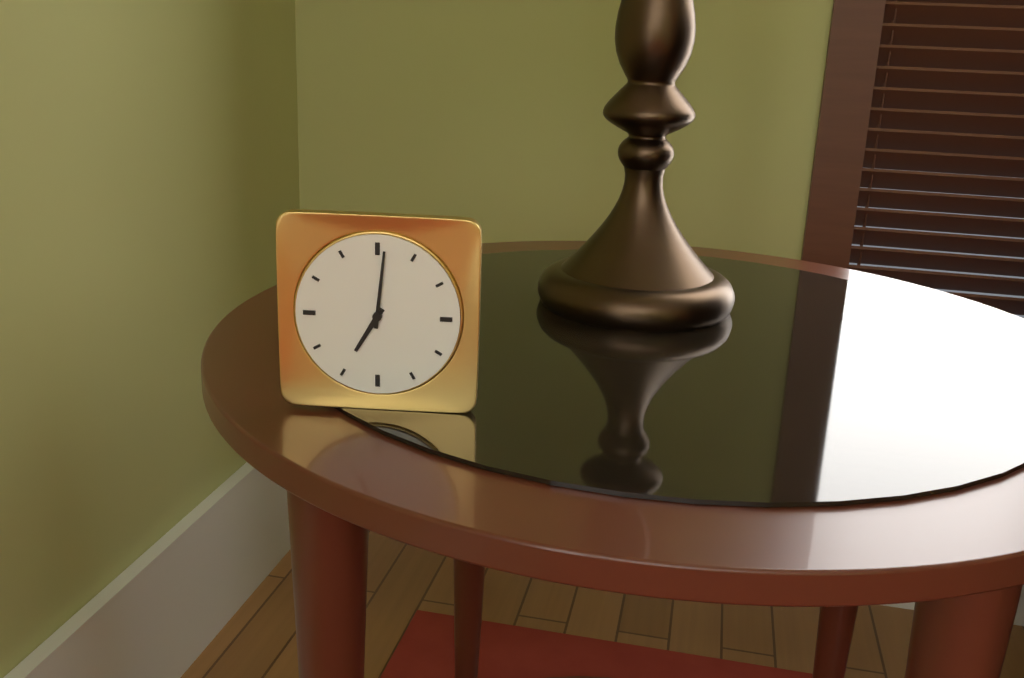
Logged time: h=7 m=1
